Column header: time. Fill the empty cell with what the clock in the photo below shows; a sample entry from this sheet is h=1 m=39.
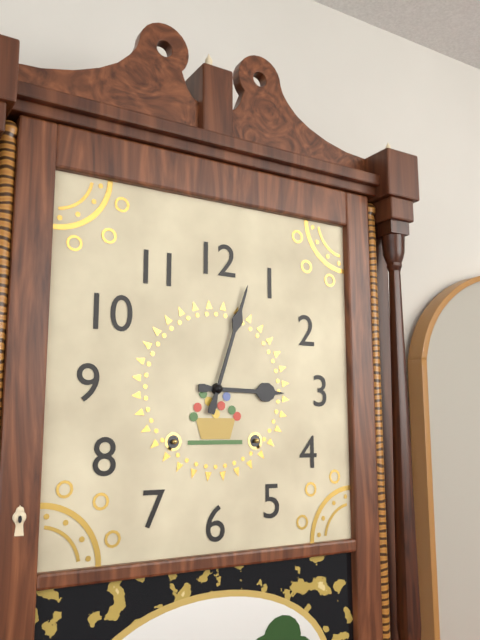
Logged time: h=3 m=3
